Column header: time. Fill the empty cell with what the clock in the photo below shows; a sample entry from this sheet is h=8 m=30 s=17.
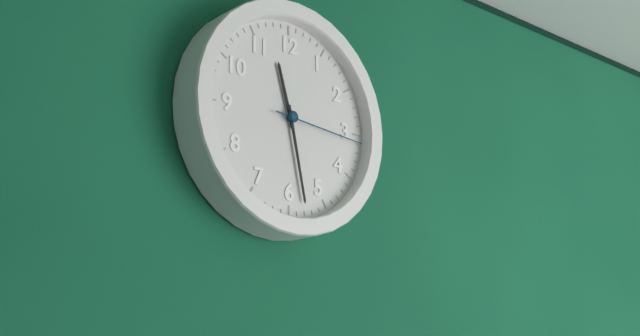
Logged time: h=11 m=28 s=16
